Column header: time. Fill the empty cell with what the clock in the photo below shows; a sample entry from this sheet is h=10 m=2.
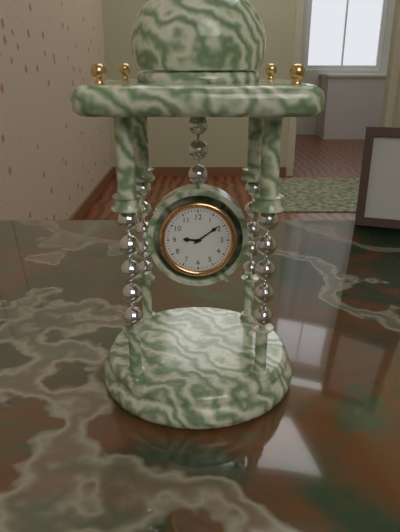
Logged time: h=9 m=9
